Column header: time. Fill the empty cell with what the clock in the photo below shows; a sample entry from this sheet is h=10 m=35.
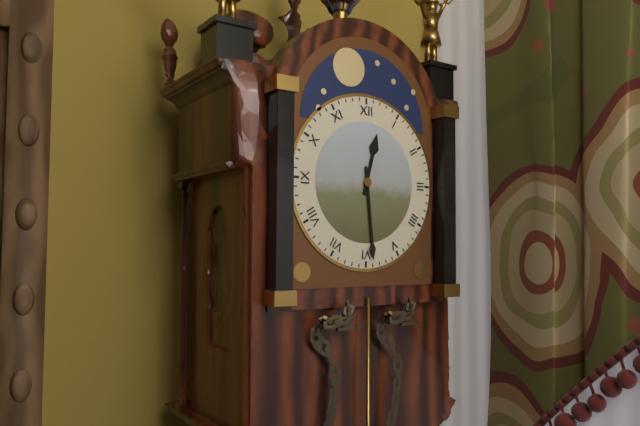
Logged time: h=12 m=29
